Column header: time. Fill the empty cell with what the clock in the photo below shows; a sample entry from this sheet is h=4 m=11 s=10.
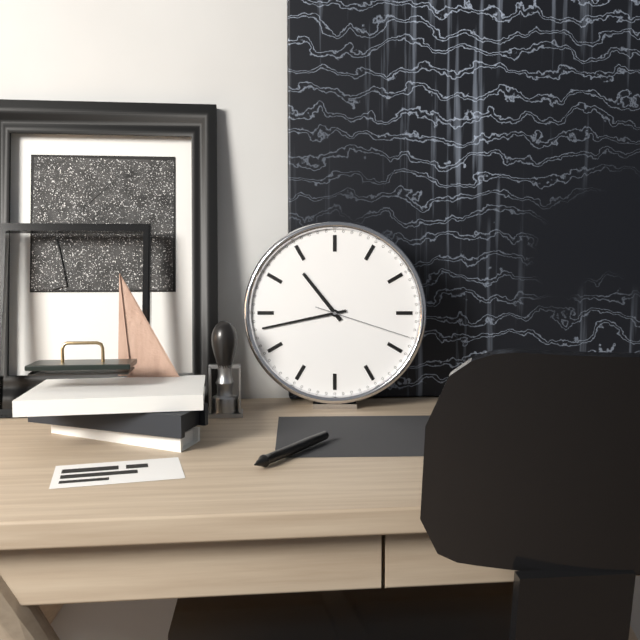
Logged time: h=10 m=43 s=18
